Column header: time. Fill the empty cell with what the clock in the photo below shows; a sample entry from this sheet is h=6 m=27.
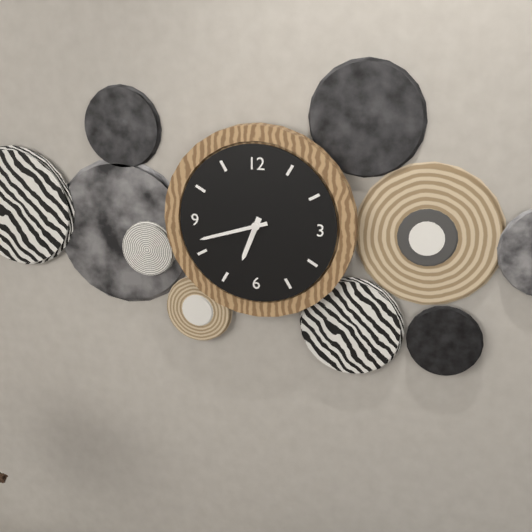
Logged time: h=6 m=42
